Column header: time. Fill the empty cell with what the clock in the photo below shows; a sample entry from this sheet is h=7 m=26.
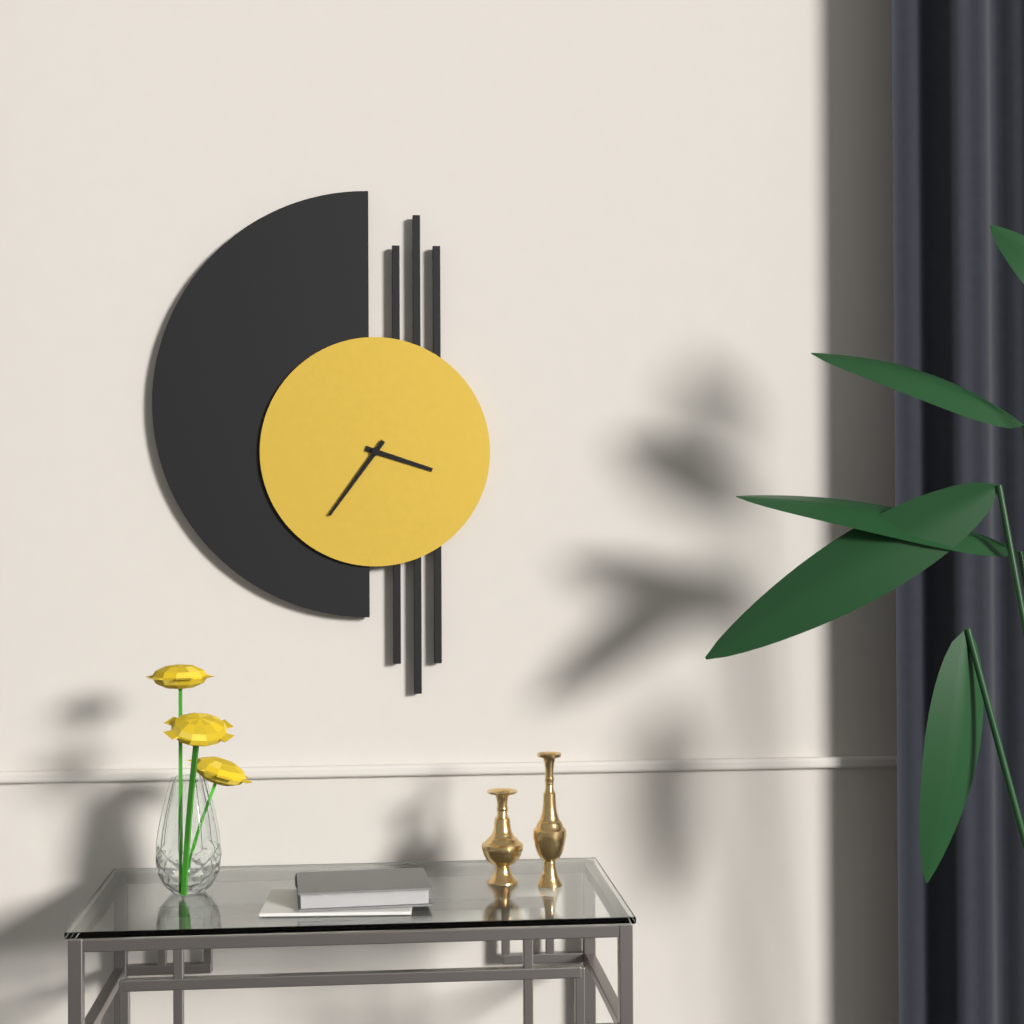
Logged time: h=3 m=36
